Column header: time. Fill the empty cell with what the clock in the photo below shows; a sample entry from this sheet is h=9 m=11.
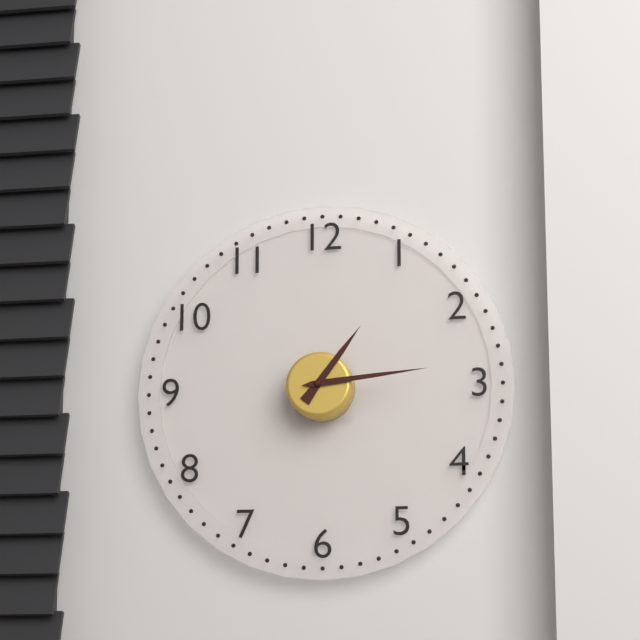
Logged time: h=1 m=14
